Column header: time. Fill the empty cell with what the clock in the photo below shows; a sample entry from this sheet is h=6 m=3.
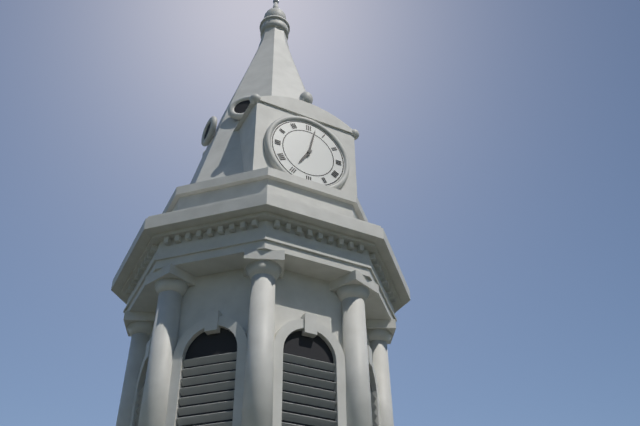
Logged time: h=7 m=2
